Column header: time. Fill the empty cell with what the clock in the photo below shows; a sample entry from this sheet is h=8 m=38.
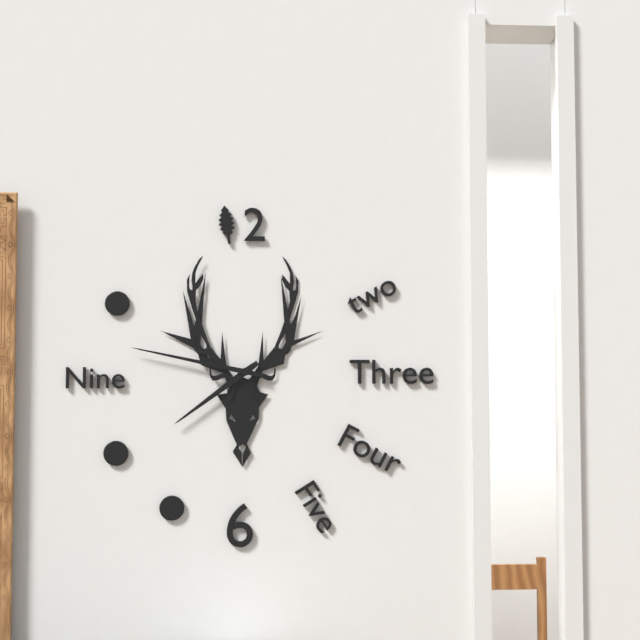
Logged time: h=7 m=47
